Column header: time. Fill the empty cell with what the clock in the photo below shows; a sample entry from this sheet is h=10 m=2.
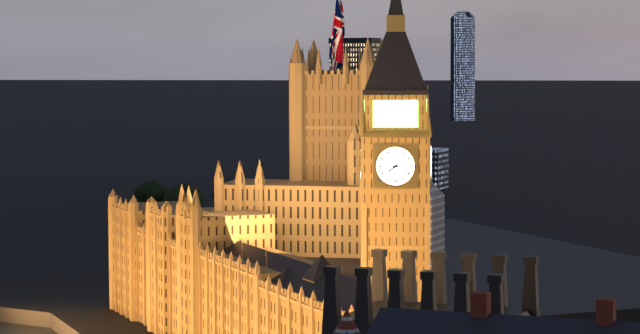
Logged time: h=7 m=47
